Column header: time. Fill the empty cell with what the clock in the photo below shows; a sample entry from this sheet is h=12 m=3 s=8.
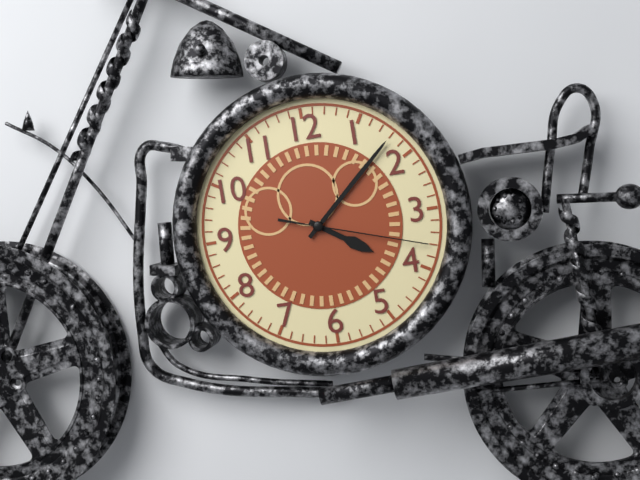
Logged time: h=4 m=8 s=18
